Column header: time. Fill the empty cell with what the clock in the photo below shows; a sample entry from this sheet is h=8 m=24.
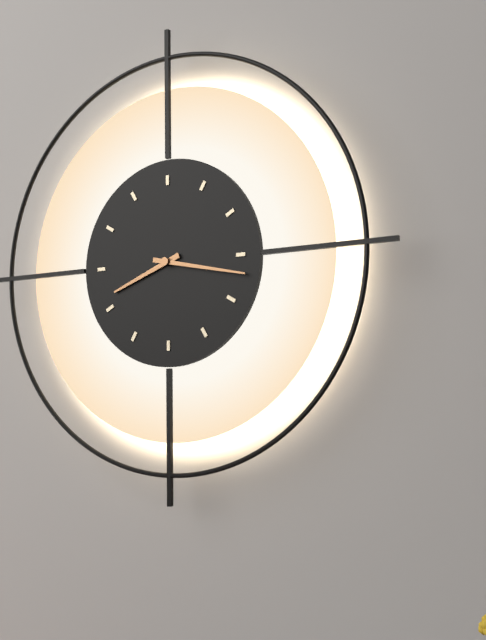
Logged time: h=8 m=17
